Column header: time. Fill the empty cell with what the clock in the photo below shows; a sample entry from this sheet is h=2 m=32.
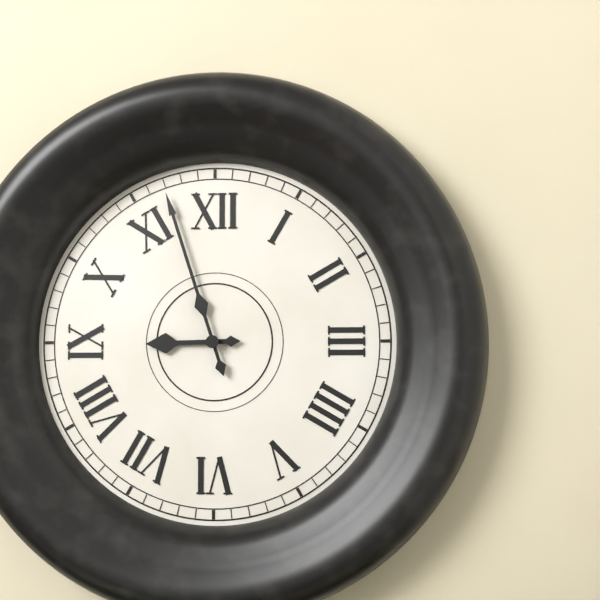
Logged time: h=8 m=57
